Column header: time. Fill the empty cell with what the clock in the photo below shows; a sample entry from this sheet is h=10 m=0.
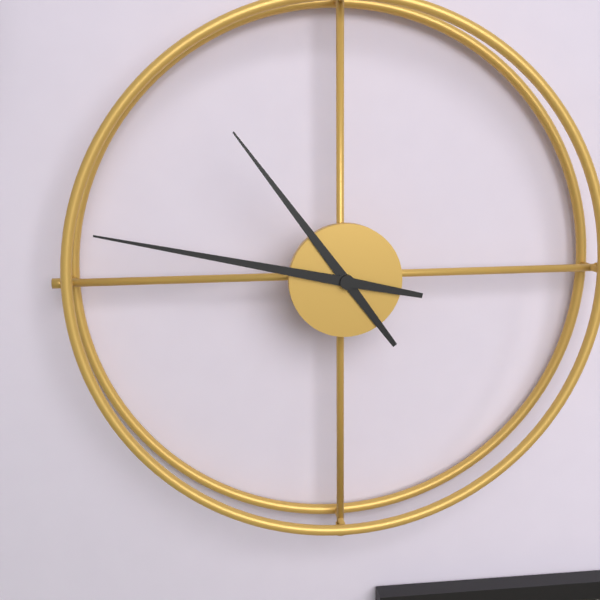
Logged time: h=10 m=47
